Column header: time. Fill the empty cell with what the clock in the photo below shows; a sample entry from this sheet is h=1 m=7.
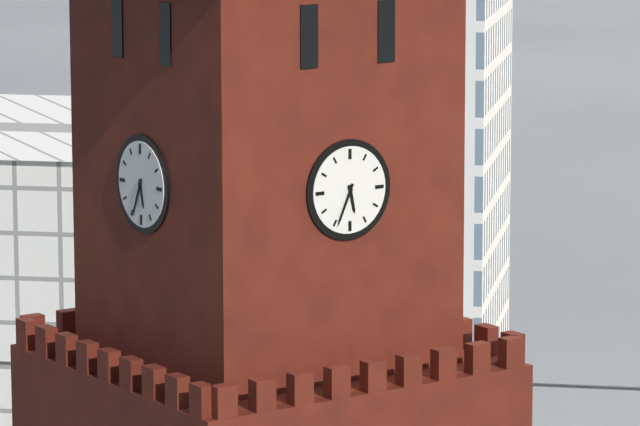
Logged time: h=5 m=34
